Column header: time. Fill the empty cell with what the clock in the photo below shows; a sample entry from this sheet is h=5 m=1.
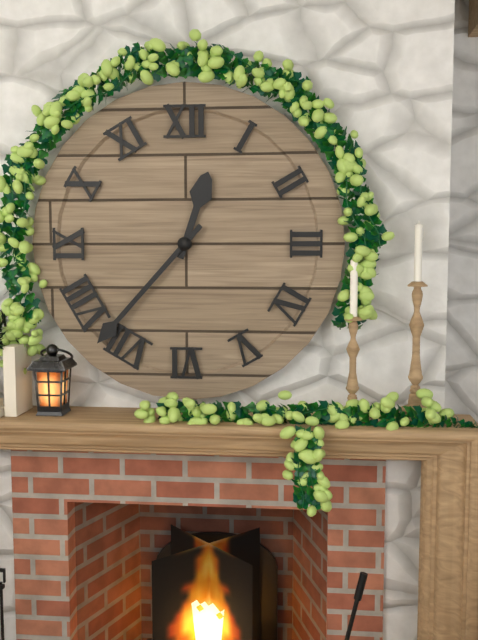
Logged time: h=12 m=37
